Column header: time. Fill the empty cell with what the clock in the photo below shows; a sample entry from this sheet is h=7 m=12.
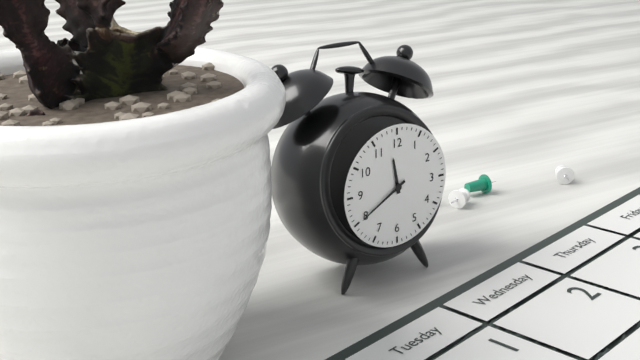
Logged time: h=11 m=40
